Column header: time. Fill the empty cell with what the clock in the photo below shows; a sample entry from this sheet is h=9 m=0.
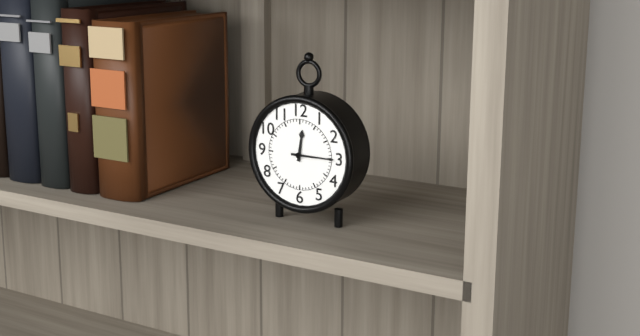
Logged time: h=12 m=15
